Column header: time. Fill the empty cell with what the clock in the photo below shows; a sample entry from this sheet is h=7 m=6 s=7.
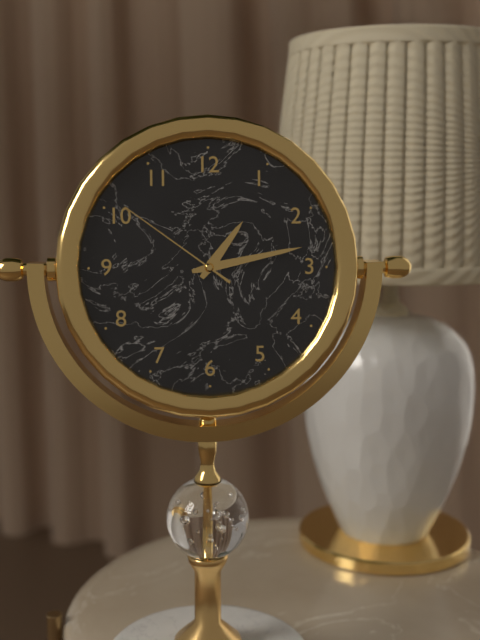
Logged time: h=1 m=13 s=51
